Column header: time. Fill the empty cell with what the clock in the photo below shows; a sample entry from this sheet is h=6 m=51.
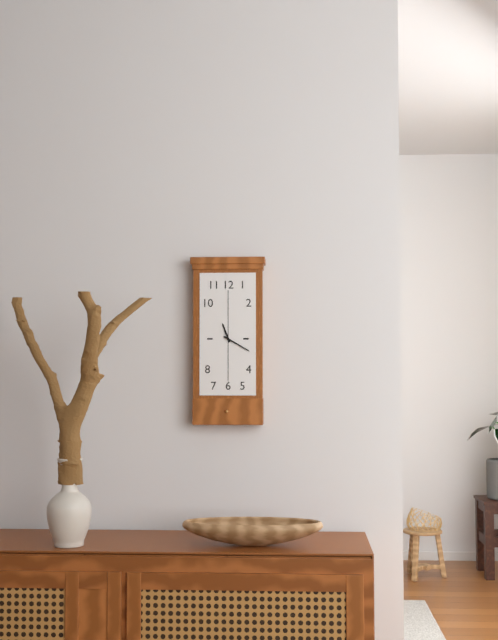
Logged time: h=11 m=20
